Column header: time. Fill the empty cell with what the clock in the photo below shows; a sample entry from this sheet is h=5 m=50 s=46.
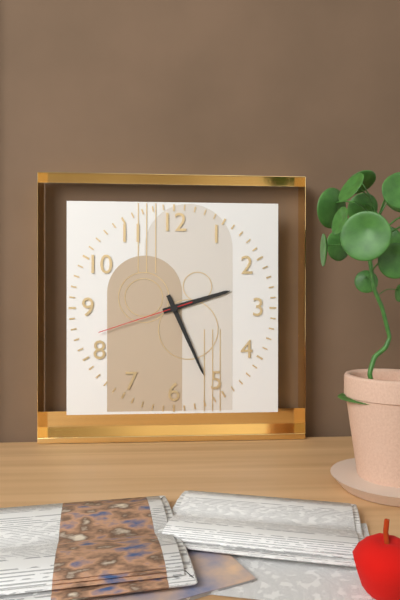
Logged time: h=2 m=26 s=42
